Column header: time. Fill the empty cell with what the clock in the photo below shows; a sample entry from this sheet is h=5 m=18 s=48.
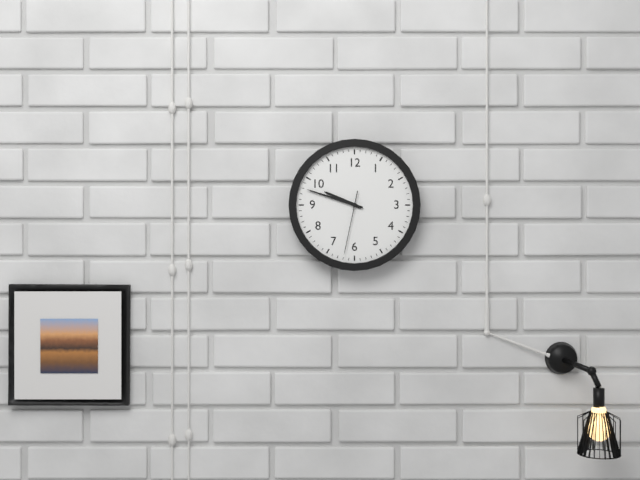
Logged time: h=9 m=48 s=32
